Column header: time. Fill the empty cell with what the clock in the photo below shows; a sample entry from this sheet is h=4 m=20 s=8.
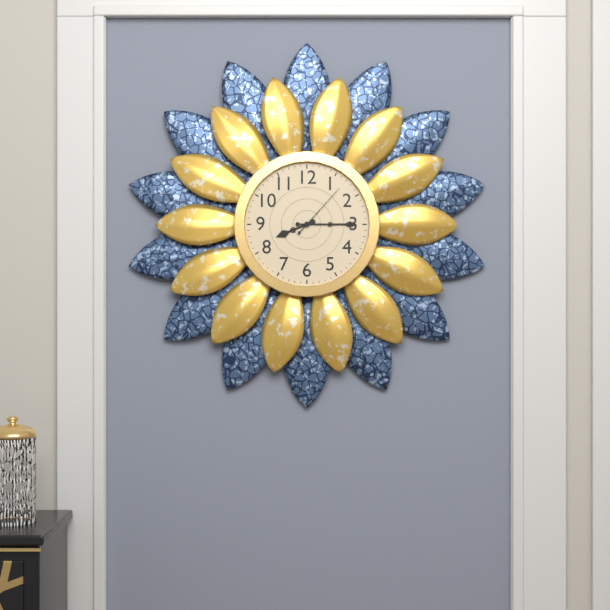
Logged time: h=8 m=15 s=7
